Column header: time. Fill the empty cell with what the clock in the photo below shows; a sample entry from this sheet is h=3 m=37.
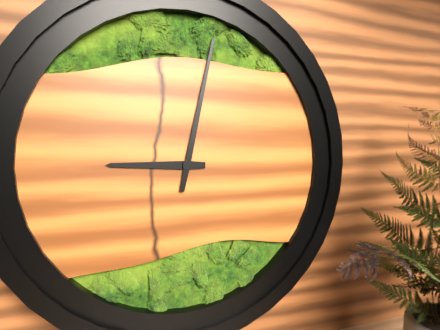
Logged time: h=9 m=2
